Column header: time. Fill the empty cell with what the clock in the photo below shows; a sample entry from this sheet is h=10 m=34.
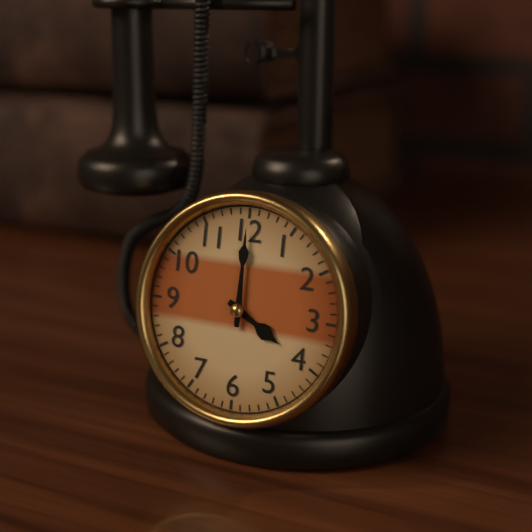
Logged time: h=4 m=0
